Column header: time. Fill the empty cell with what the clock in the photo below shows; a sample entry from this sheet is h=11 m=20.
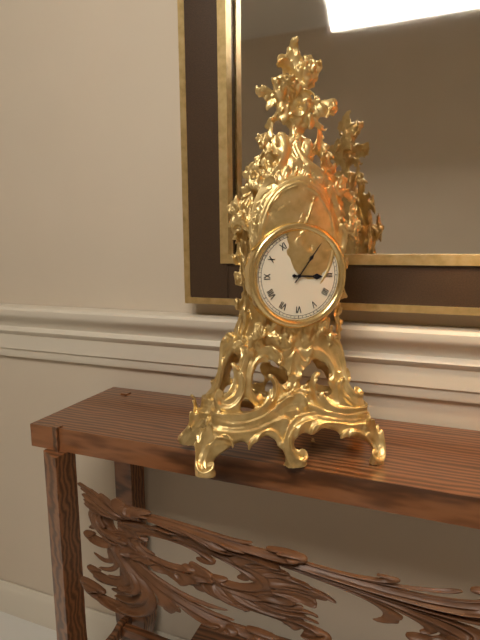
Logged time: h=3 m=6
